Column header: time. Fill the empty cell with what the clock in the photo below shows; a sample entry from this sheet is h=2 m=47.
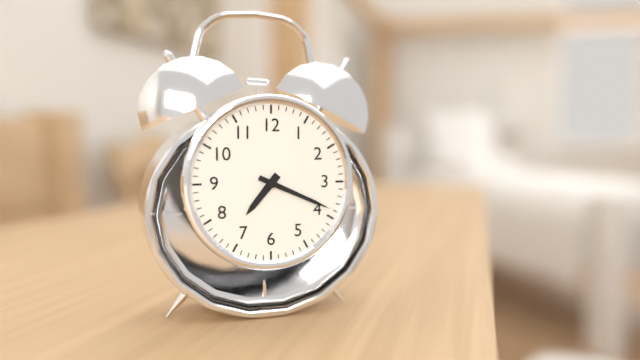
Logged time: h=7 m=19
